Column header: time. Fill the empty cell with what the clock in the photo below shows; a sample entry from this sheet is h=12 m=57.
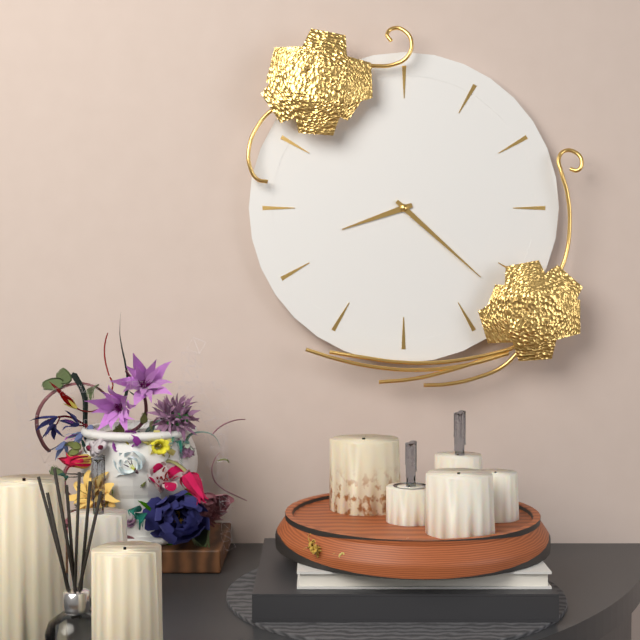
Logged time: h=8 m=22
